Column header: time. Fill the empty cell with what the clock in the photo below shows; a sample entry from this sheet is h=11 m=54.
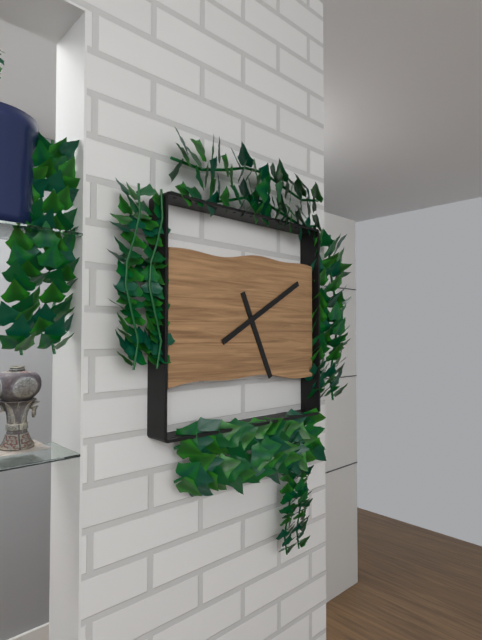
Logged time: h=5 m=10
